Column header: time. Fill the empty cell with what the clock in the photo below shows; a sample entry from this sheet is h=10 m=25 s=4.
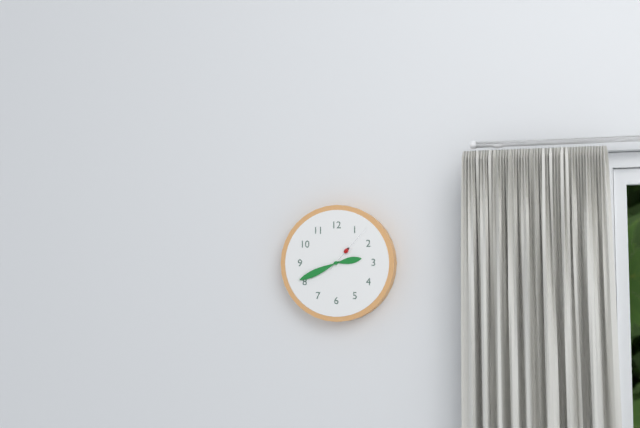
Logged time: h=2 m=41 s=7
